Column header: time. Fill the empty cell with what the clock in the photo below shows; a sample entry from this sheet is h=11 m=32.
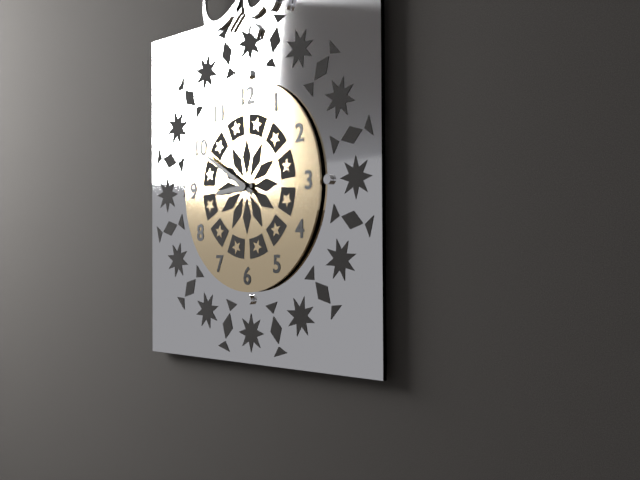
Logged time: h=8 m=50
